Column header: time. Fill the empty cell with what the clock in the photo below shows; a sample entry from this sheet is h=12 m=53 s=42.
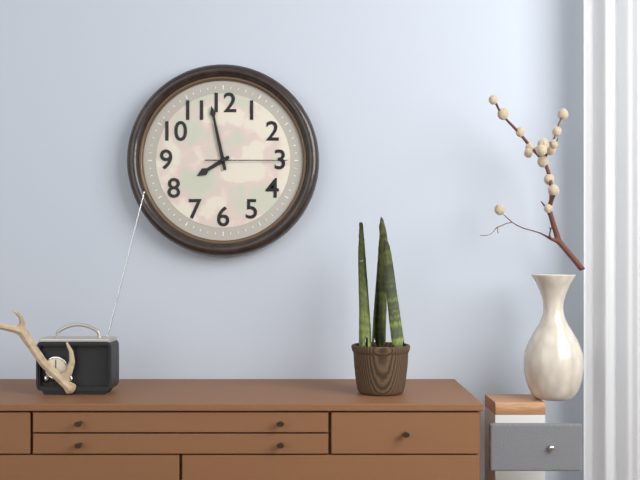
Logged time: h=7 m=58 s=15
